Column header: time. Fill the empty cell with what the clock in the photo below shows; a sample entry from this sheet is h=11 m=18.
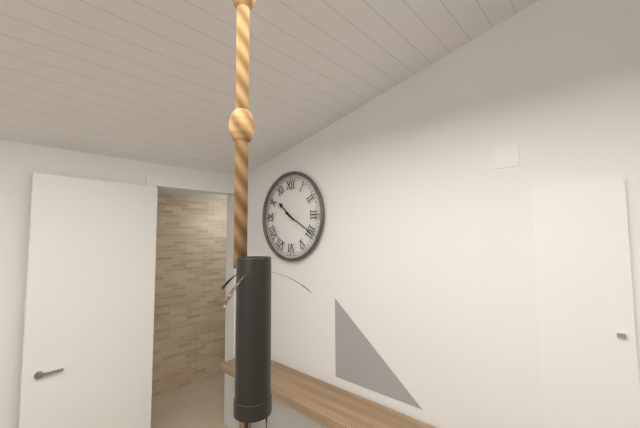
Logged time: h=10 m=20
